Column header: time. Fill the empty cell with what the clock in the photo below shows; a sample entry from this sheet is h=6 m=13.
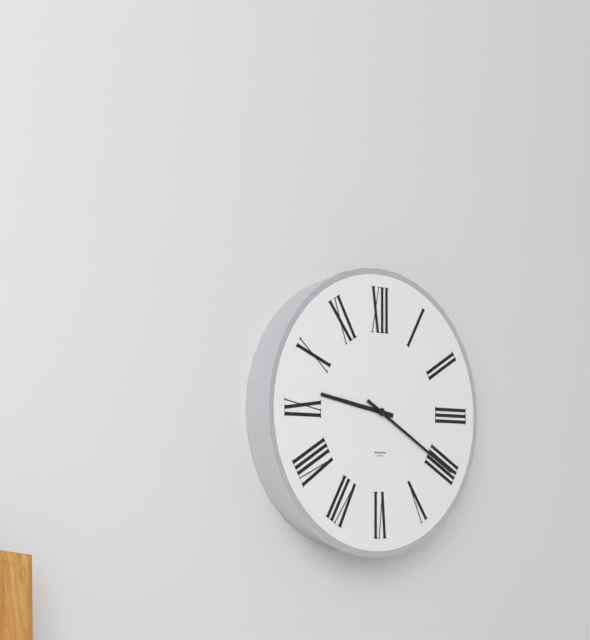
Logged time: h=9 m=20
